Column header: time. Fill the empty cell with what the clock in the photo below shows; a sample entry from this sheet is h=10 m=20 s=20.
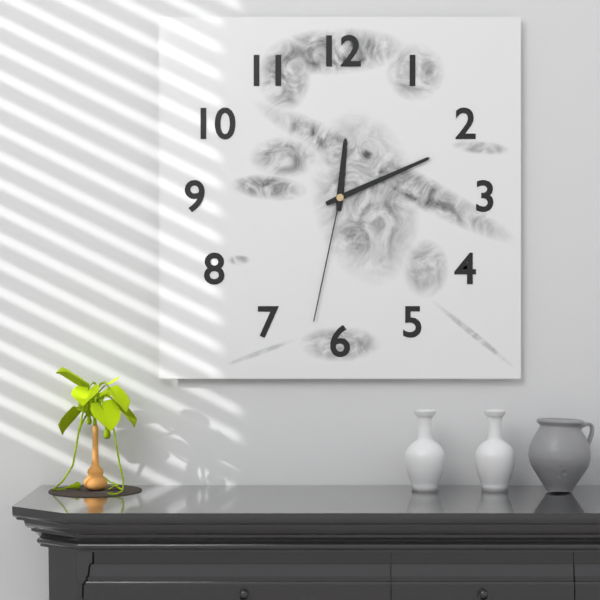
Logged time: h=12 m=11 s=32
